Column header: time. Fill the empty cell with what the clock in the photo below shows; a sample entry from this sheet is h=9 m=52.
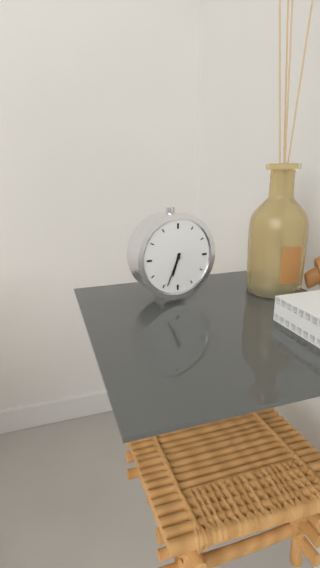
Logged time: h=6 m=34
